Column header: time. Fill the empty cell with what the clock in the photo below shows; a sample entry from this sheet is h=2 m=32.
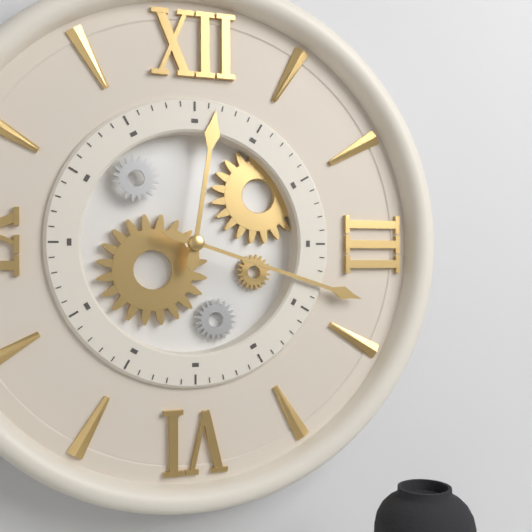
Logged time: h=12 m=18
